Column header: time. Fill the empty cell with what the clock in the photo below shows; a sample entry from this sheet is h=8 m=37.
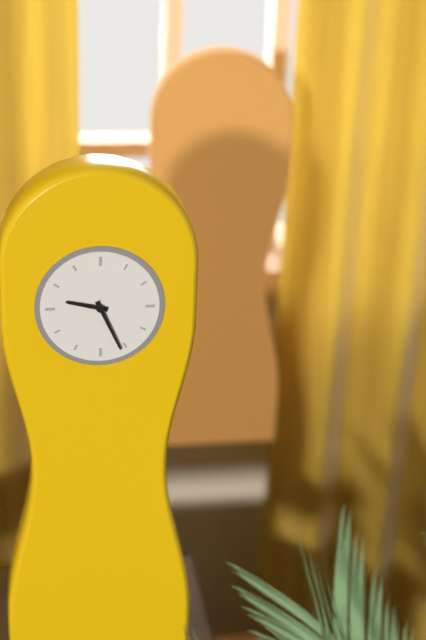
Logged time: h=9 m=26
